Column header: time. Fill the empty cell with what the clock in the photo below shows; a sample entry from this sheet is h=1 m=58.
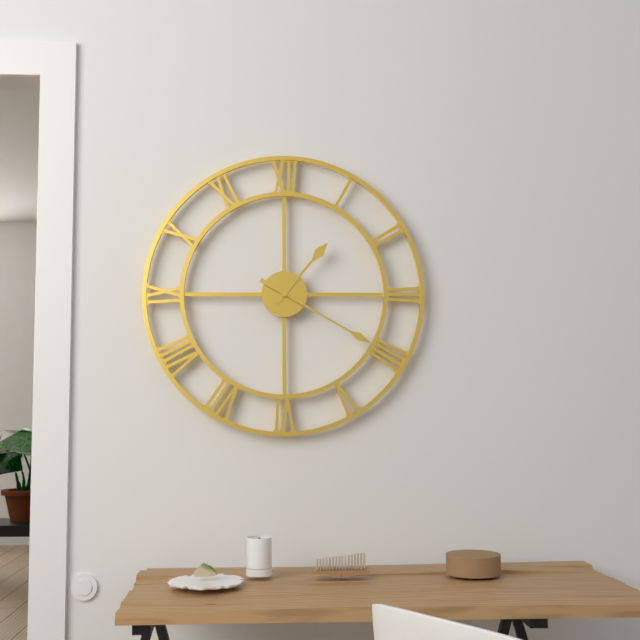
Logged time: h=1 m=20
